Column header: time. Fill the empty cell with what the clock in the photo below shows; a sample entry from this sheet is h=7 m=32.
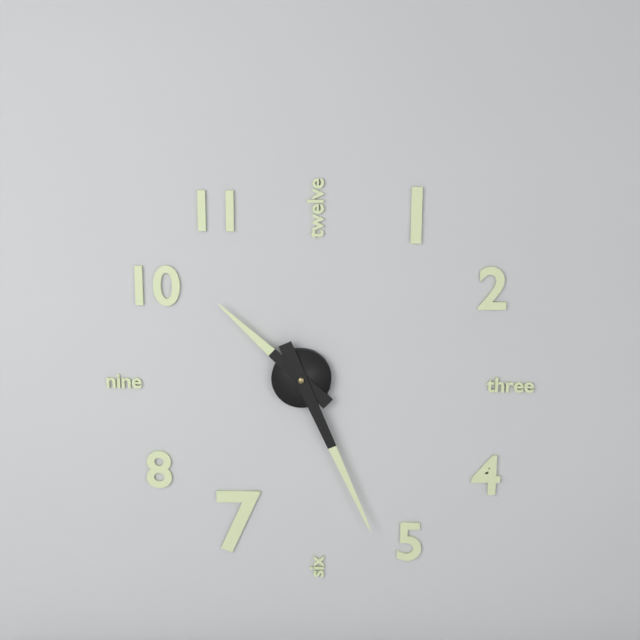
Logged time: h=10 m=26
